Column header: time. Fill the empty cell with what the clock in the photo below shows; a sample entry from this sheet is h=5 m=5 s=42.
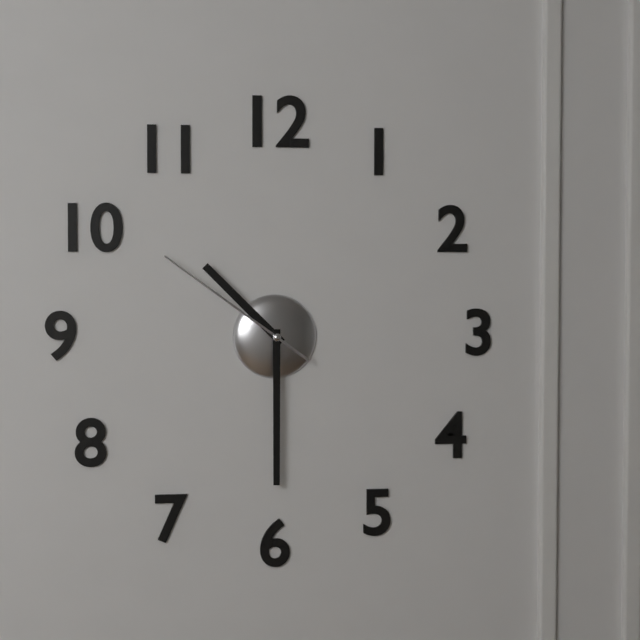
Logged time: h=10 m=30 s=51
